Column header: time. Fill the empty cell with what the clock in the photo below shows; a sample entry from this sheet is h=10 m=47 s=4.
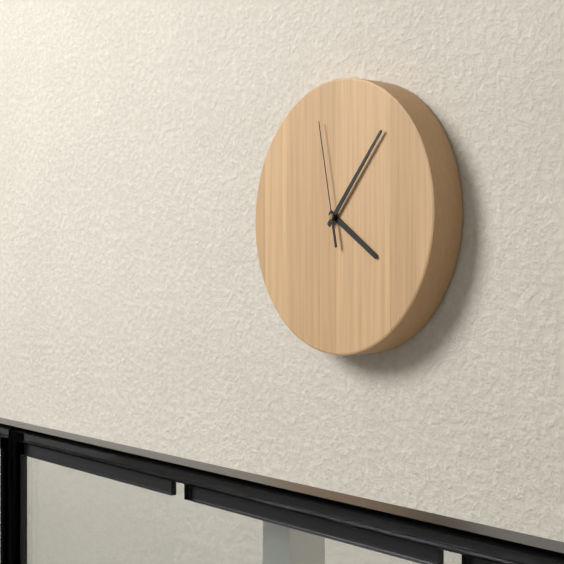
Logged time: h=4 m=7 s=58
